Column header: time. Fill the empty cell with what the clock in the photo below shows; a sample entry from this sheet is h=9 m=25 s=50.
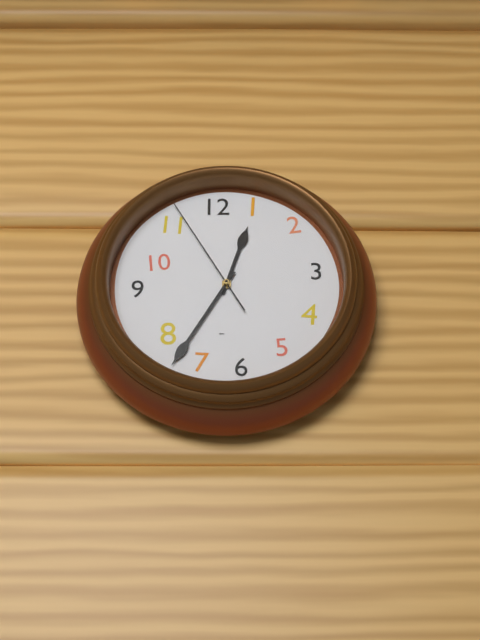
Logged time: h=12 m=35 s=55
